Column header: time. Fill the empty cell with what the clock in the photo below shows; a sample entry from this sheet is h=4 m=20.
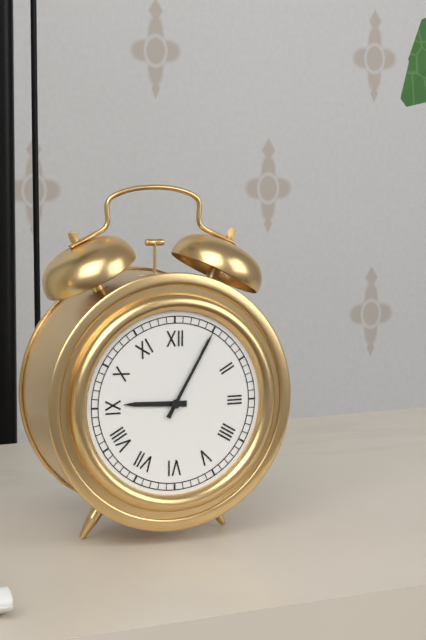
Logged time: h=9 m=5
